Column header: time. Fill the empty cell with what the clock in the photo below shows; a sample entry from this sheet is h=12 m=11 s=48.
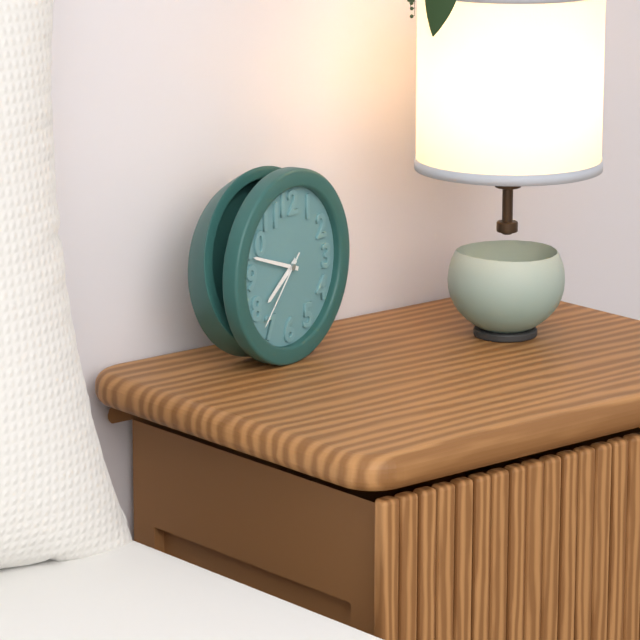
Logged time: h=7 m=48 s=37
